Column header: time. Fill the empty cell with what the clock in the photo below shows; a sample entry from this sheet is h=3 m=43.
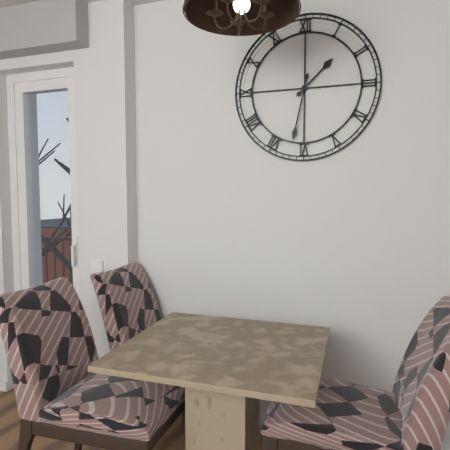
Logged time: h=1 m=32
